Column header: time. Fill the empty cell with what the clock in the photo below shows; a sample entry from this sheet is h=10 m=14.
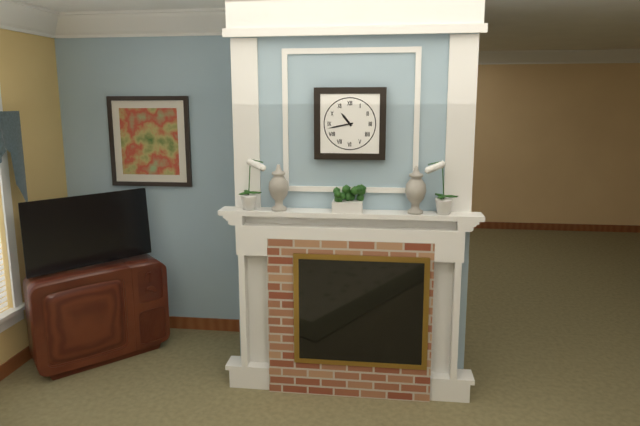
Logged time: h=10 m=43
